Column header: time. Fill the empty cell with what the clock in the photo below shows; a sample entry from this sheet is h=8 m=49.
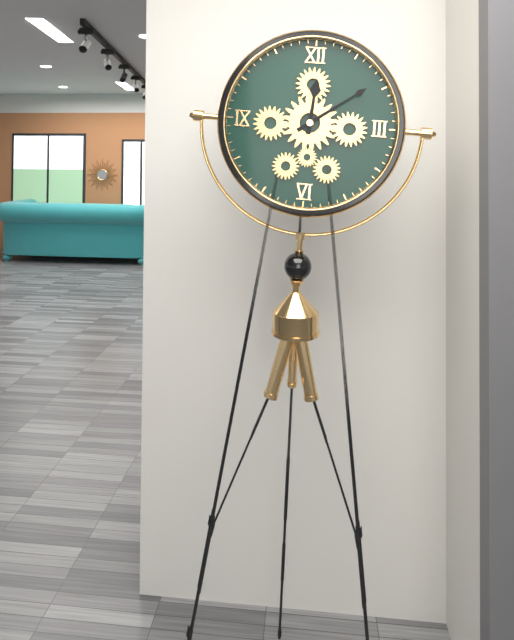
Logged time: h=12 m=9
